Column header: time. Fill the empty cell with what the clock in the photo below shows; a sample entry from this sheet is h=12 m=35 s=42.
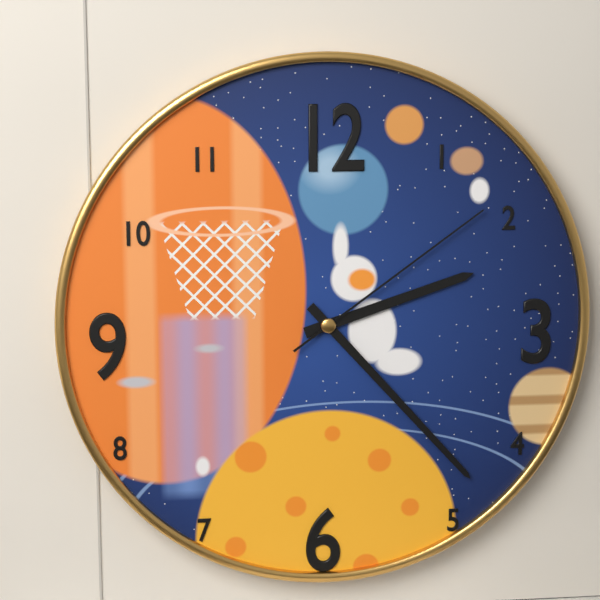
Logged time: h=2 m=23 s=9
